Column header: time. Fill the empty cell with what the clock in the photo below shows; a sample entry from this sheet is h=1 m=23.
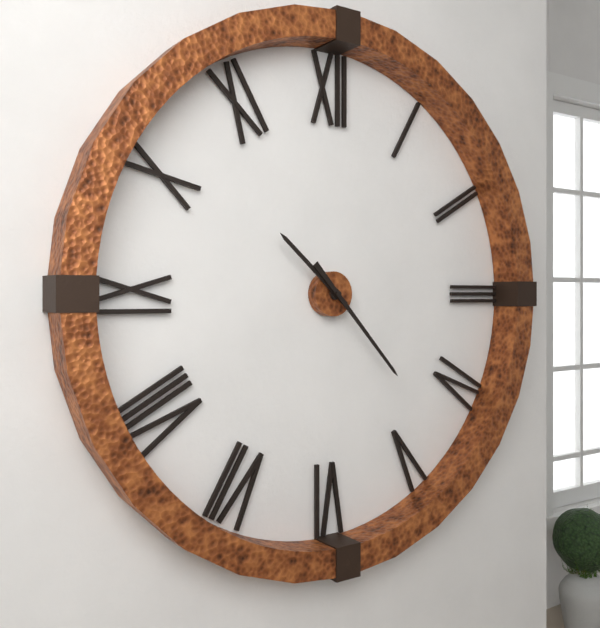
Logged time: h=10 m=23
